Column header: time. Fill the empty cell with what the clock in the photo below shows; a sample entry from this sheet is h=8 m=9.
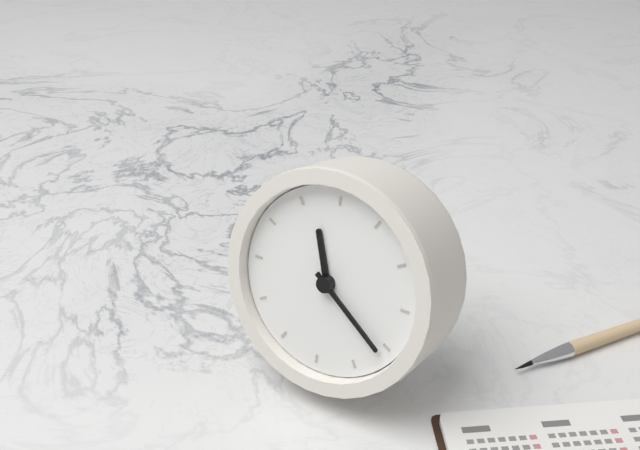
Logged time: h=11 m=21
